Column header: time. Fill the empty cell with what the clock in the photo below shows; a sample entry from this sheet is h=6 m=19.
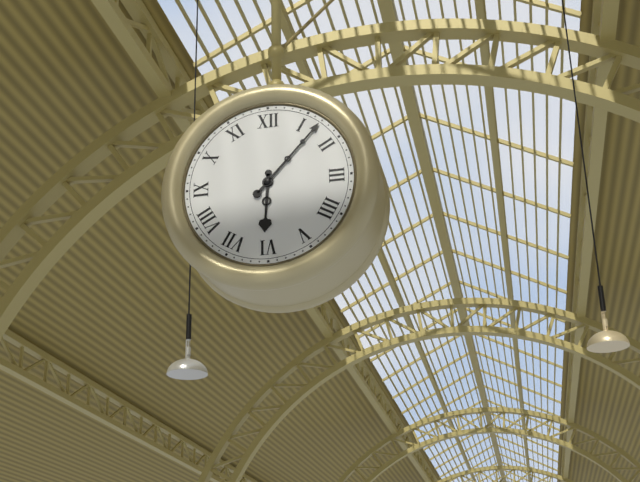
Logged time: h=6 m=7
